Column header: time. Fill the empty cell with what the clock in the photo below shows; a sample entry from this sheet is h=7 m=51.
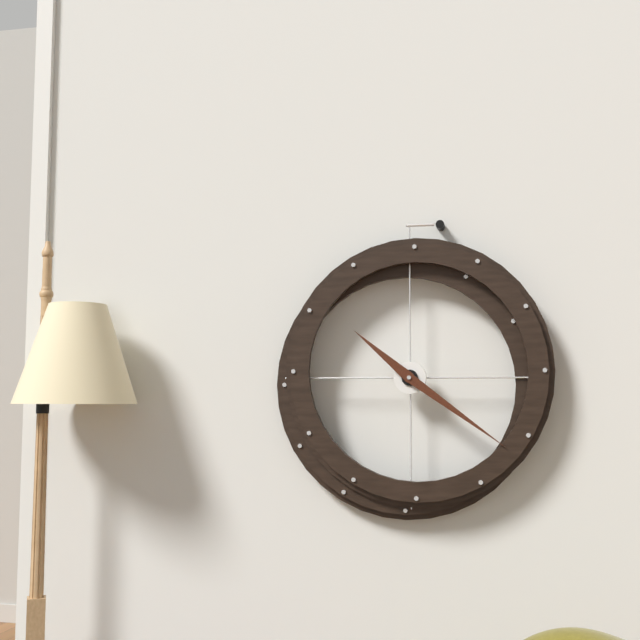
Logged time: h=10 m=21
